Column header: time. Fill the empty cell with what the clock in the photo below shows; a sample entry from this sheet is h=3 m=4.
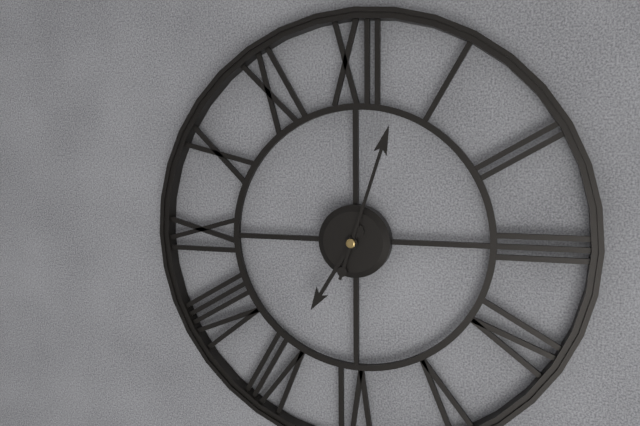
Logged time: h=7 m=3
